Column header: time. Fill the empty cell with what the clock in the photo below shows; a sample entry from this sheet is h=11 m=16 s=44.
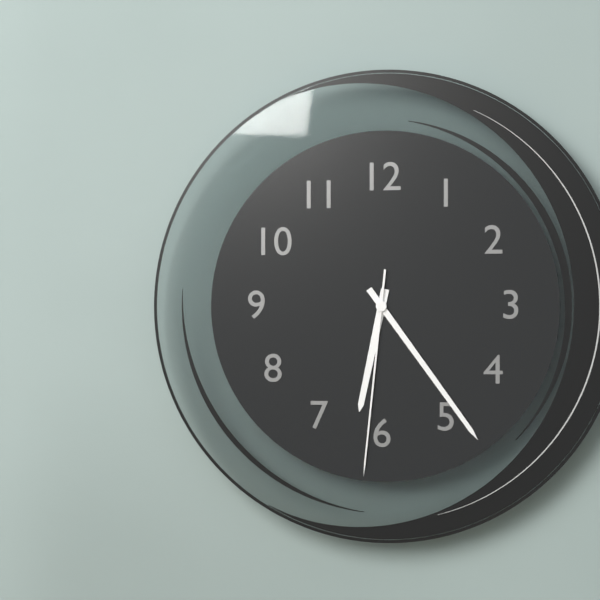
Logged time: h=6 m=24 s=31
